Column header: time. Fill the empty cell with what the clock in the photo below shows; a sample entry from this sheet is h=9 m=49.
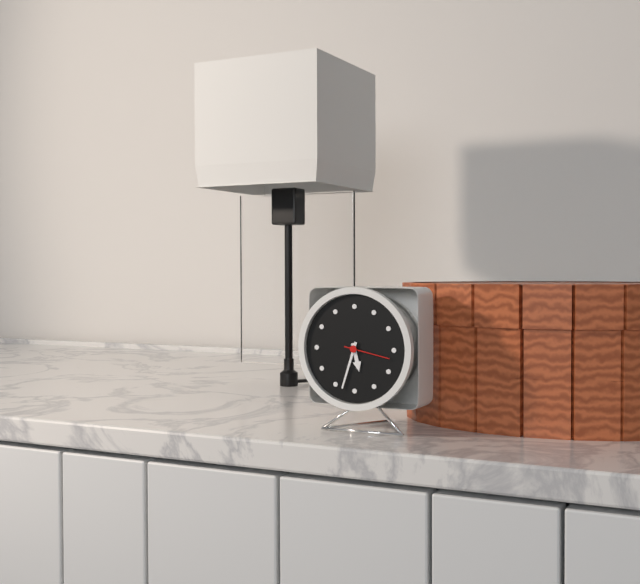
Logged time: h=5 m=33
